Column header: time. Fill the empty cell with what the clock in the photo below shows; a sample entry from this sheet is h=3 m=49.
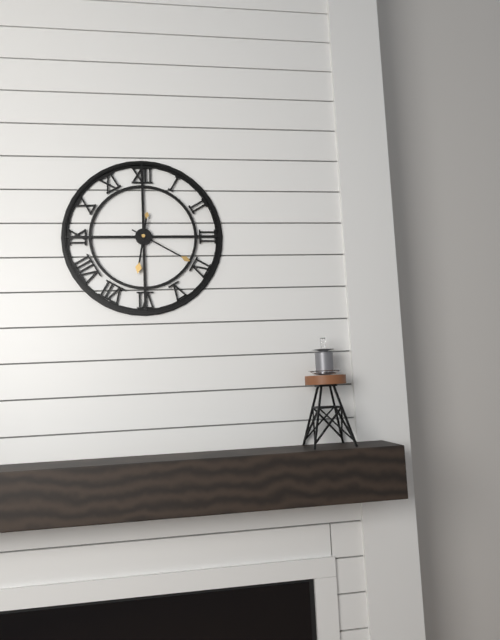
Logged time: h=6 m=20
